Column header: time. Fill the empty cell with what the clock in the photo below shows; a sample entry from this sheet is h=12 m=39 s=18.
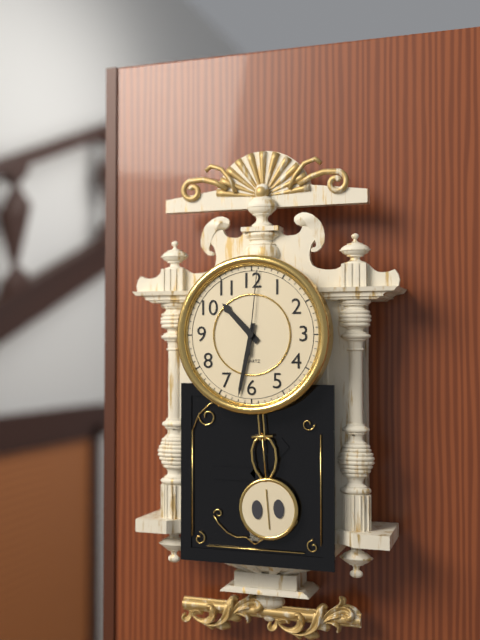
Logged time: h=10 m=32 s=1
